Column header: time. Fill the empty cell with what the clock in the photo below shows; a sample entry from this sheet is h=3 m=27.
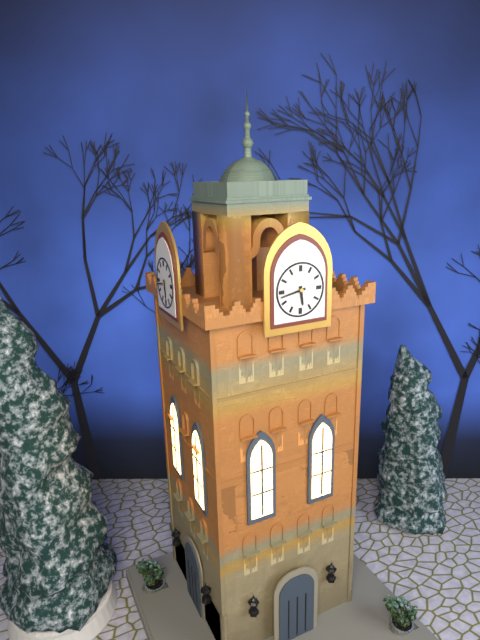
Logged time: h=5 m=43
